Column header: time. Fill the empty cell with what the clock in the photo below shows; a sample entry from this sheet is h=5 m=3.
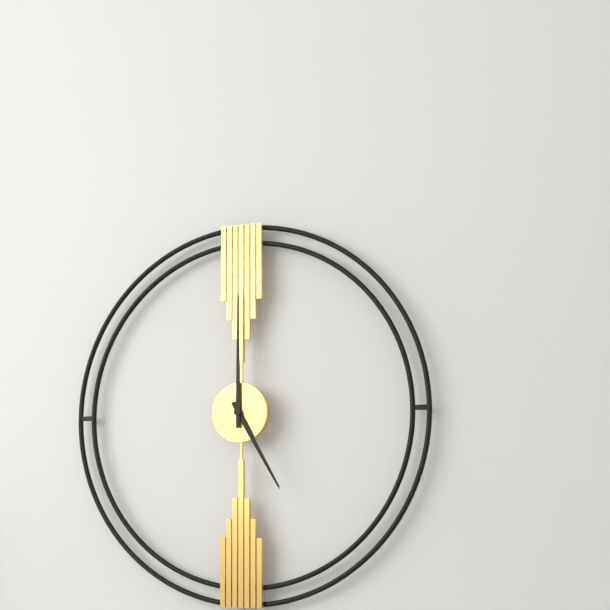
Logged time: h=5 m=0
